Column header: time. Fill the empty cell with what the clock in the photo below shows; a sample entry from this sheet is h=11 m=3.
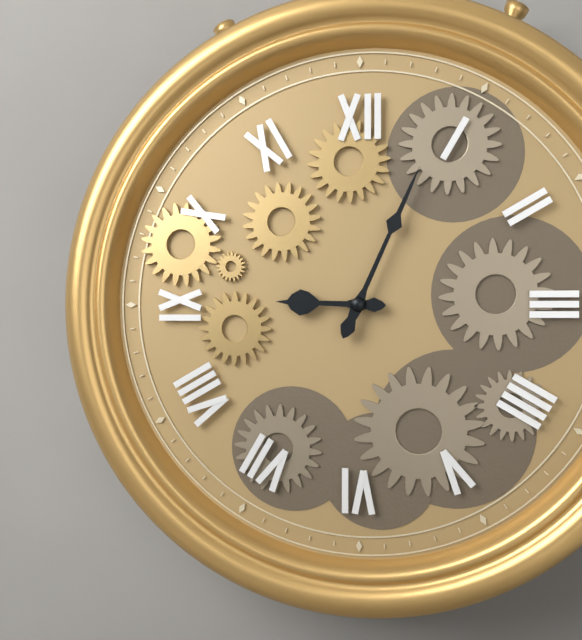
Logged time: h=9 m=4
